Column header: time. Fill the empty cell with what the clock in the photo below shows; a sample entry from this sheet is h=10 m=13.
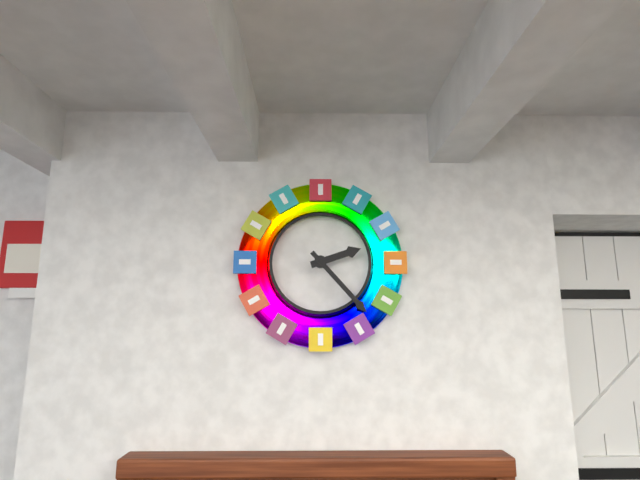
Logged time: h=2 m=23
